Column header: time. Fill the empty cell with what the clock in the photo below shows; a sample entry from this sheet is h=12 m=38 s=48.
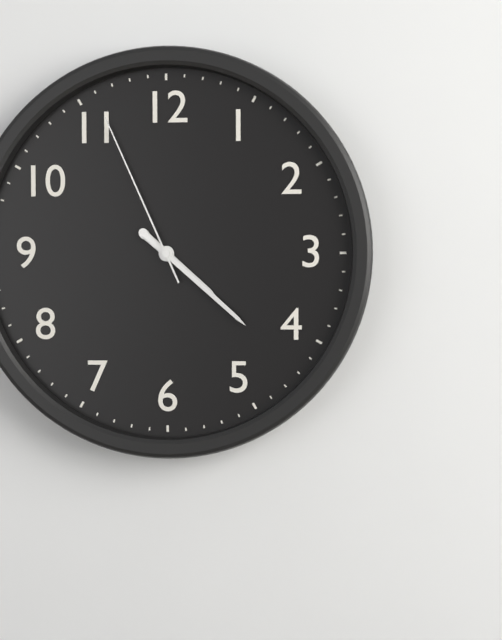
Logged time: h=4 m=22 s=56
